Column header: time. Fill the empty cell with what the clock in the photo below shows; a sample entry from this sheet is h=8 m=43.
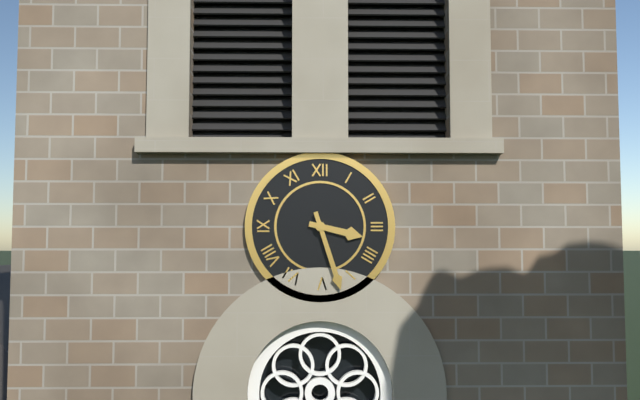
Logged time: h=3 m=27
